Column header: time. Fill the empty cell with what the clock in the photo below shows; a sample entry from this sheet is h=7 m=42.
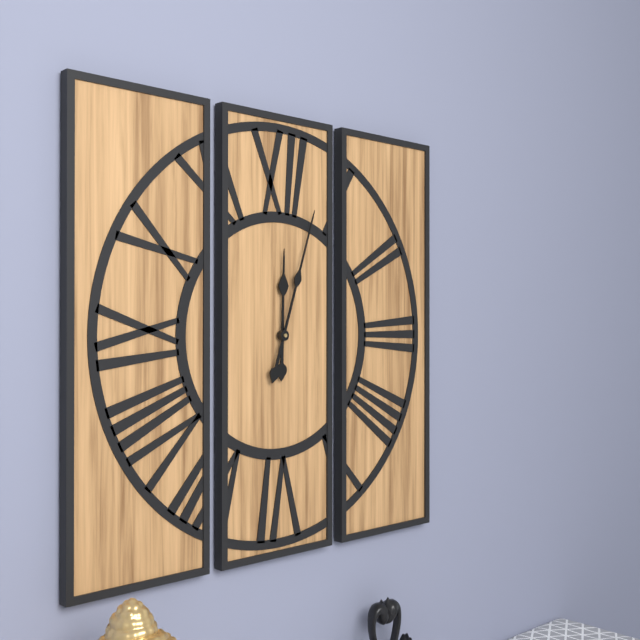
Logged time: h=12 m=3
